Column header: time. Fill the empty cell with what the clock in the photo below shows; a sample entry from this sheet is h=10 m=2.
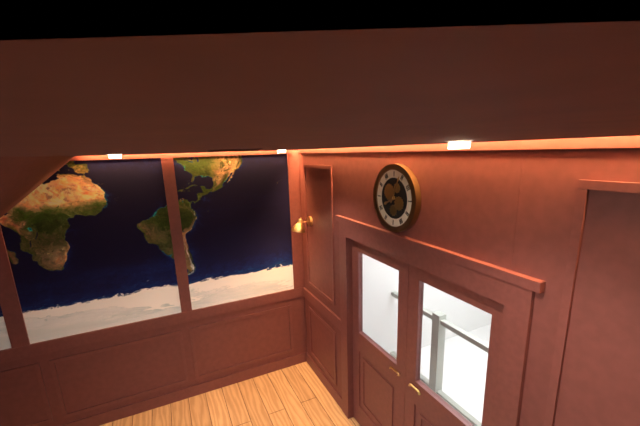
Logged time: h=8 m=4
